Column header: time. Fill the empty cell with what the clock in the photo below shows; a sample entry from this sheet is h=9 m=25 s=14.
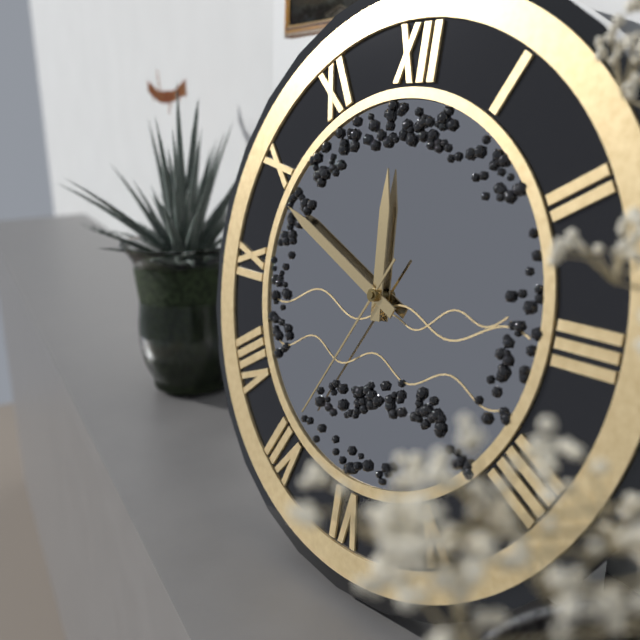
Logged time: h=11 m=49 s=35
